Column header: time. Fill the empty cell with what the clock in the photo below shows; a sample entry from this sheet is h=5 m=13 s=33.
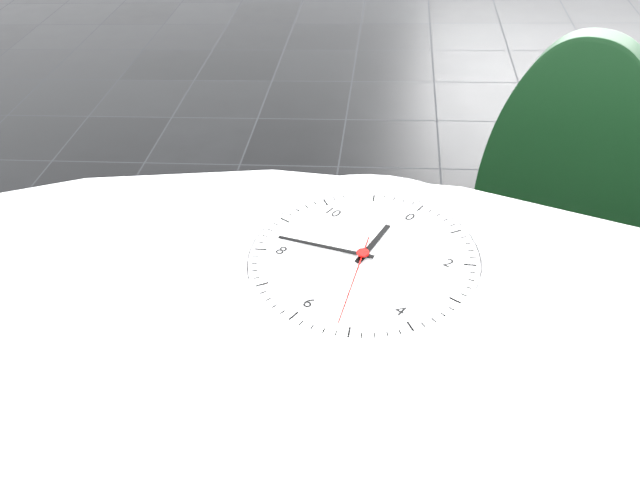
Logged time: h=11 m=42 s=26
